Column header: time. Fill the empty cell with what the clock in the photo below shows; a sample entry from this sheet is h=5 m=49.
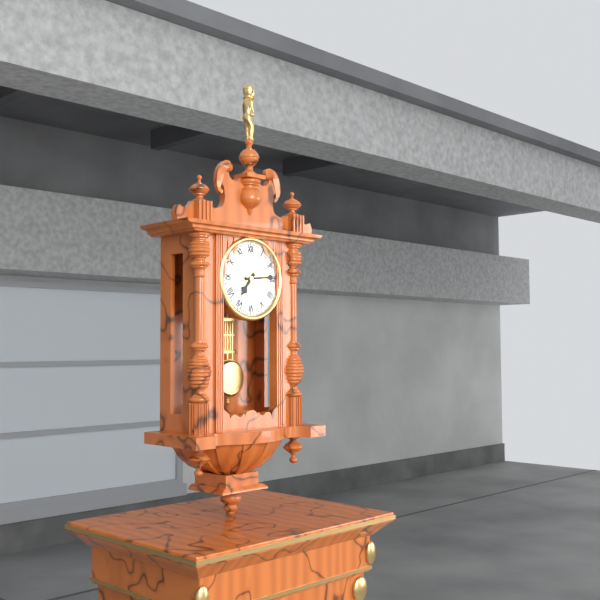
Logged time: h=7 m=14
